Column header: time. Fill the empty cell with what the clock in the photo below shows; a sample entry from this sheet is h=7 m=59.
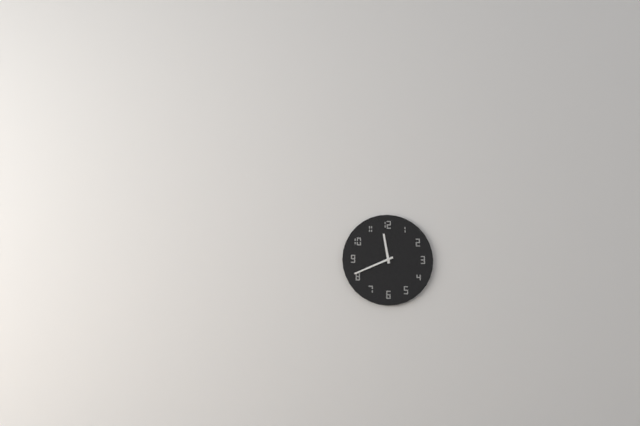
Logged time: h=11 m=41
